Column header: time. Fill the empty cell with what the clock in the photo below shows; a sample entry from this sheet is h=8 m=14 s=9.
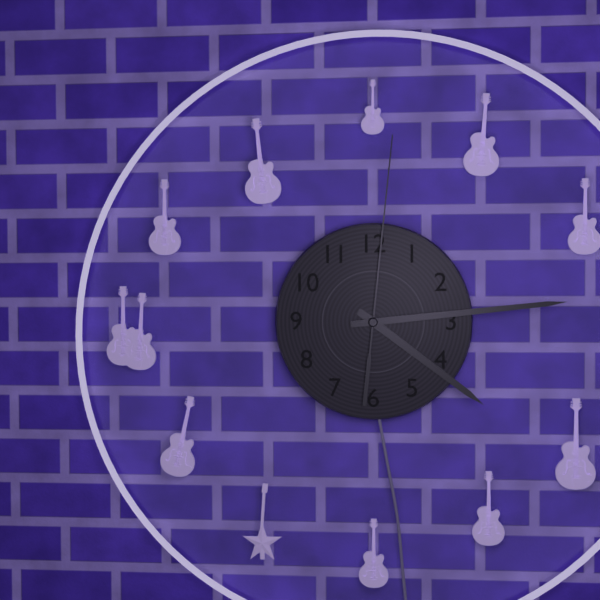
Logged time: h=4 m=14 s=1
